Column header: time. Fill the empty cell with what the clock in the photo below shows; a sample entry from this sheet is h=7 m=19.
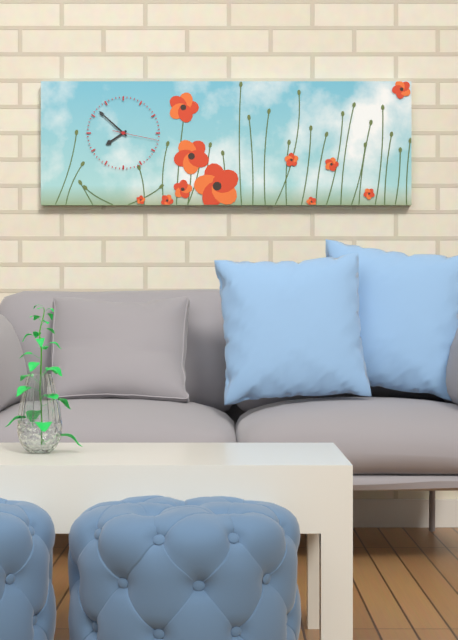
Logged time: h=7 m=52
